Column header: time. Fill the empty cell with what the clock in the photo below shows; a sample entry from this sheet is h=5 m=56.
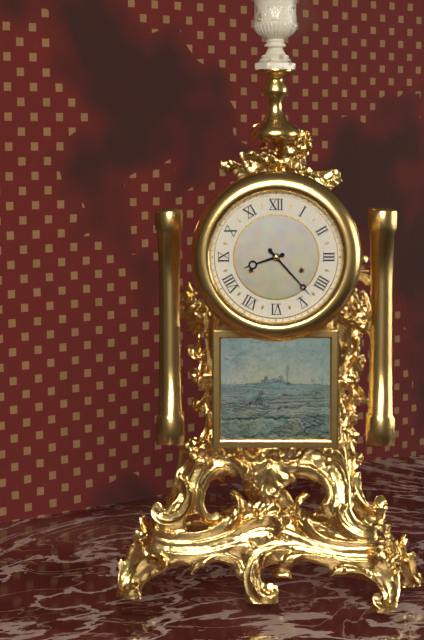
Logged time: h=8 m=23
